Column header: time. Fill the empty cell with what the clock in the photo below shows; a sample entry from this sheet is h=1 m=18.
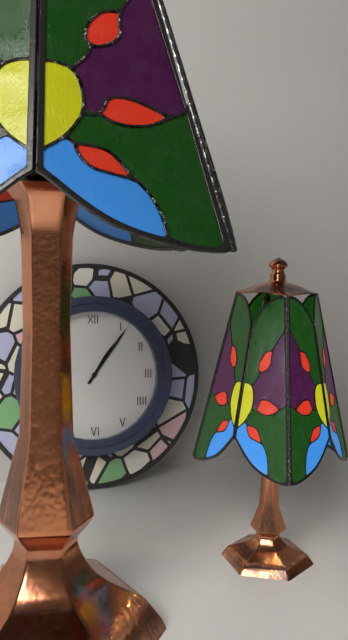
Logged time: h=1 m=6
